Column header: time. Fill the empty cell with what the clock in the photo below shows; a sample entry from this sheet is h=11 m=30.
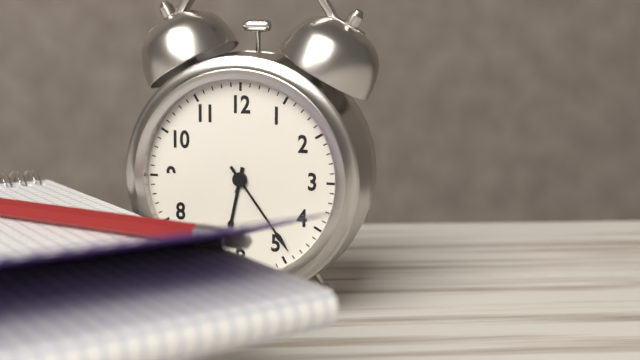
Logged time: h=6 m=24
